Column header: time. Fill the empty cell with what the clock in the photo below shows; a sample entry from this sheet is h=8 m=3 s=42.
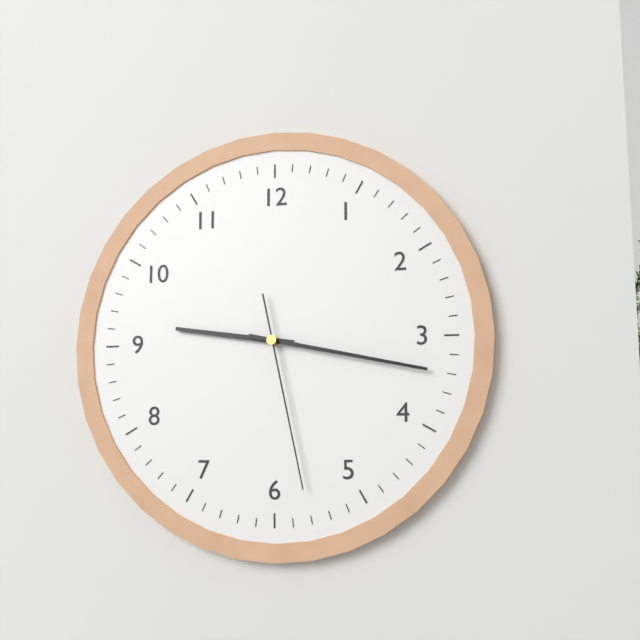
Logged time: h=9 m=17 s=28
